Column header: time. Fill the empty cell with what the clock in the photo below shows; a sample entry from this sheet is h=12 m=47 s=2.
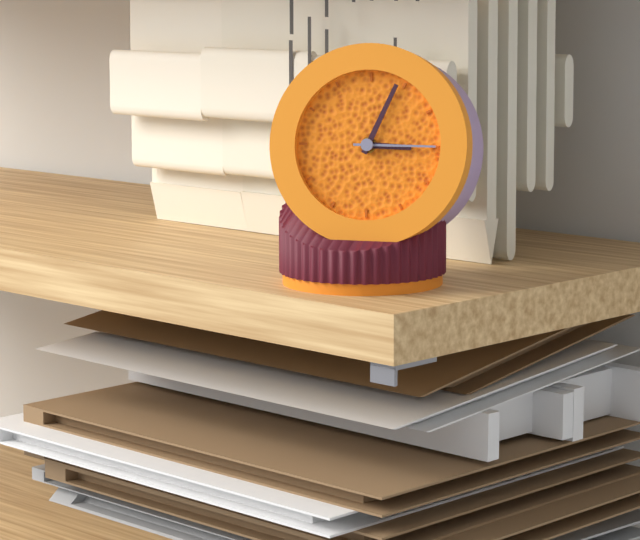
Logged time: h=3 m=4 s=15
